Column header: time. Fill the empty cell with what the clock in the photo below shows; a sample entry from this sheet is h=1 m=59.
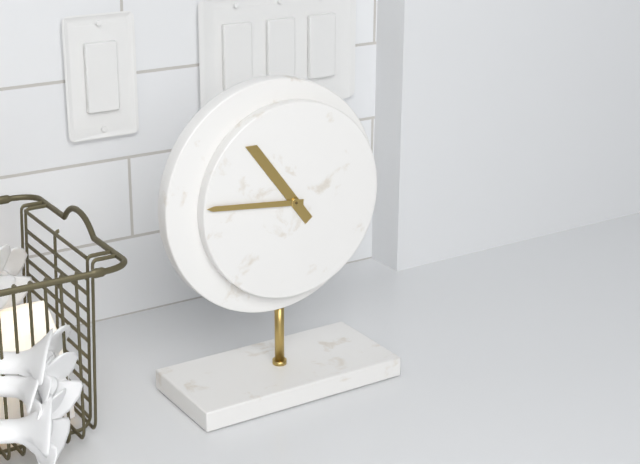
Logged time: h=10 m=46
